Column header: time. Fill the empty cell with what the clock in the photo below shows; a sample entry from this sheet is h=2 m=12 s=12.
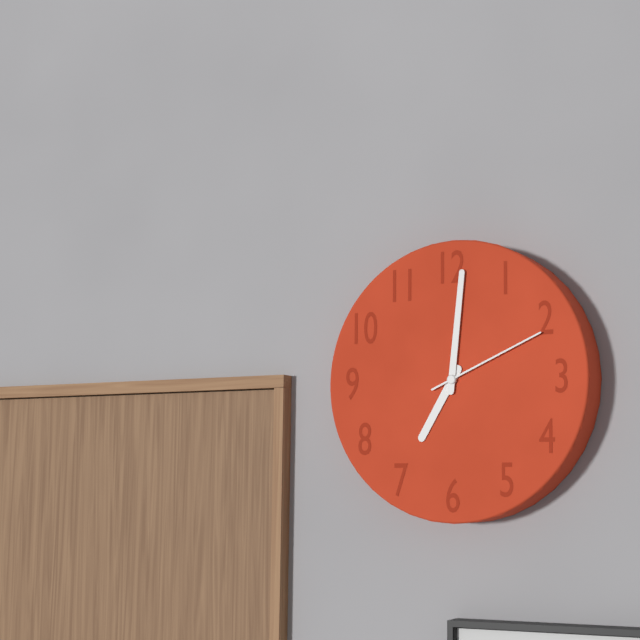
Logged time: h=7 m=1 s=11
